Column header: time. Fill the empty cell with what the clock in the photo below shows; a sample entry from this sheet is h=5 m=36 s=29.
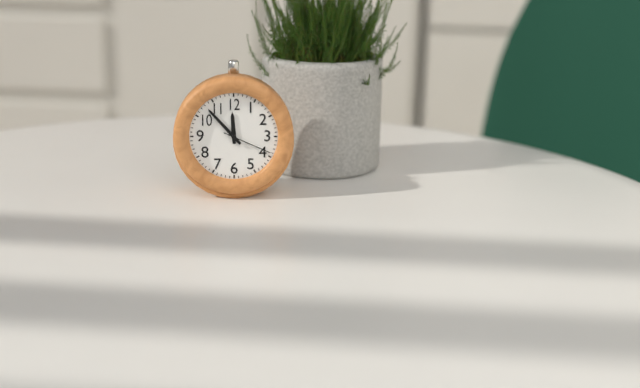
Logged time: h=11 m=53 s=19
